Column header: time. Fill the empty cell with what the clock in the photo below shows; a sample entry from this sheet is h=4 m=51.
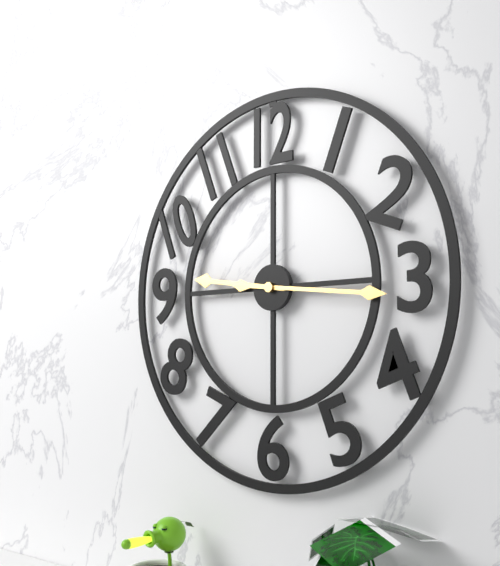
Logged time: h=9 m=16
